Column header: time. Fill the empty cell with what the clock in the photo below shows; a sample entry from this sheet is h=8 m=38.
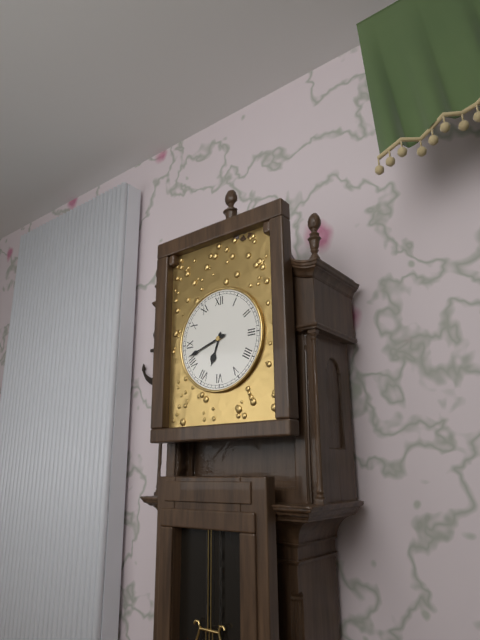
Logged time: h=6 m=42
